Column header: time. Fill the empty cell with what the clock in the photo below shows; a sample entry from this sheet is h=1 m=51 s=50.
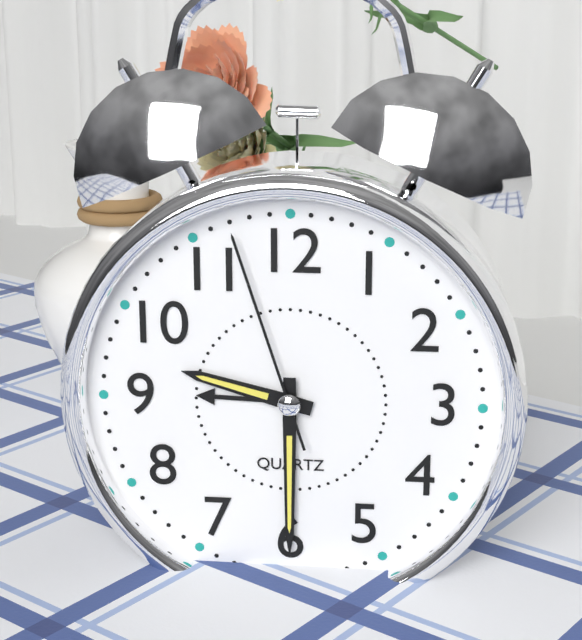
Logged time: h=9 m=30 s=57
